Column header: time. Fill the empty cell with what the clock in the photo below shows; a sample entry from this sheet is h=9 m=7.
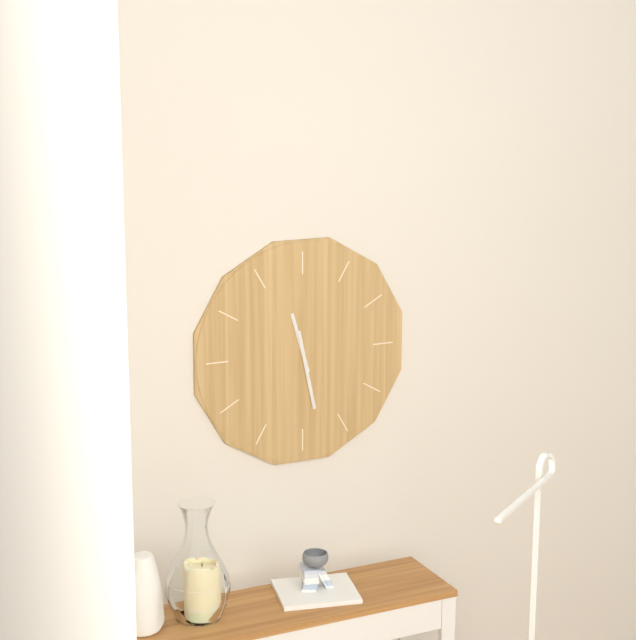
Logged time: h=11 m=28
